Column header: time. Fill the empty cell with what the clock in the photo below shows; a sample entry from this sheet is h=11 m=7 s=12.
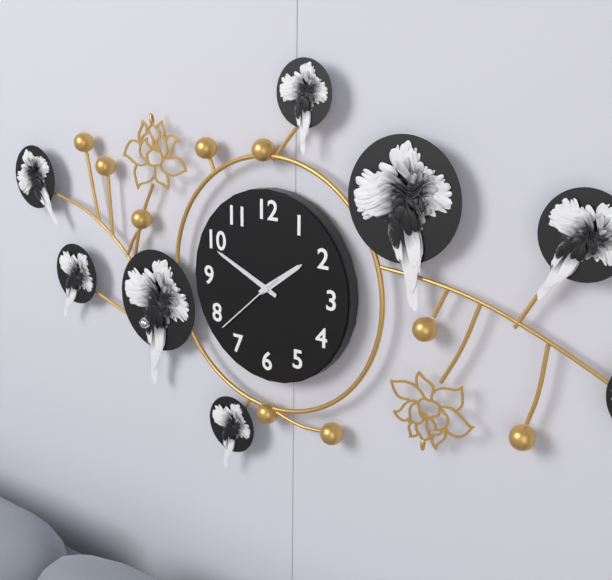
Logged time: h=1 m=49 s=38
